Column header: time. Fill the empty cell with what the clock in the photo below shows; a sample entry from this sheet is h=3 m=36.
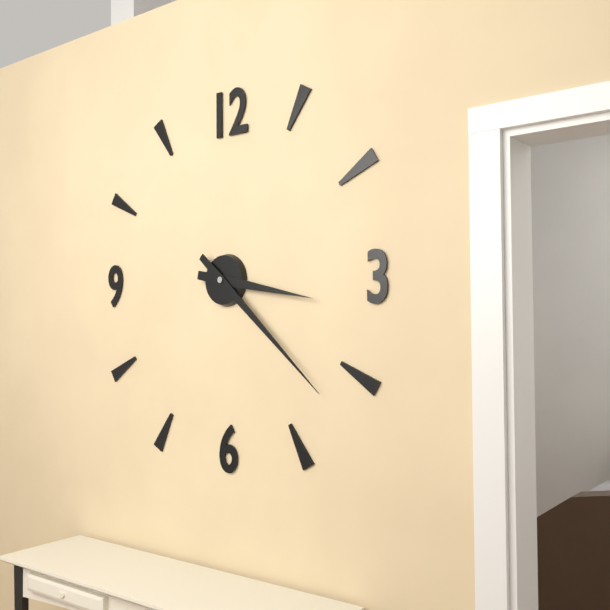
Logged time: h=3 m=22
